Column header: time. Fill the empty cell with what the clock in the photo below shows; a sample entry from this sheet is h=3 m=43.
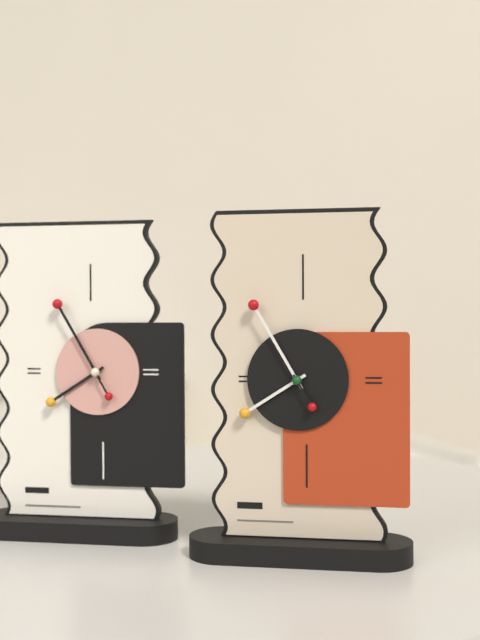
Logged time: h=7 m=55
